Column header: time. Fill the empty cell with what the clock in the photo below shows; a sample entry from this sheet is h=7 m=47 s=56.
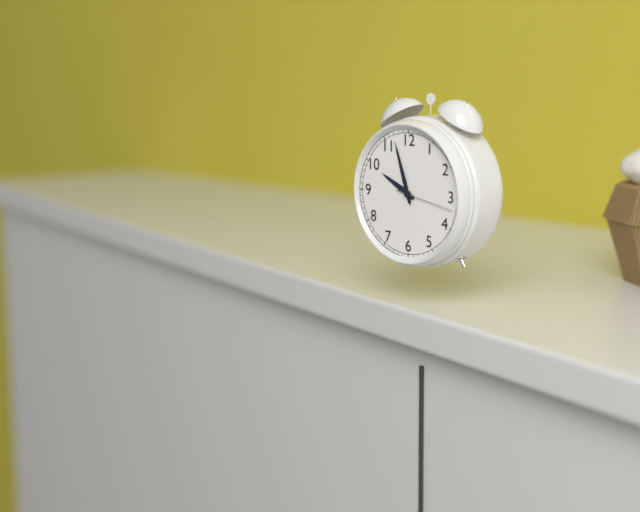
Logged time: h=9 m=57 s=17
